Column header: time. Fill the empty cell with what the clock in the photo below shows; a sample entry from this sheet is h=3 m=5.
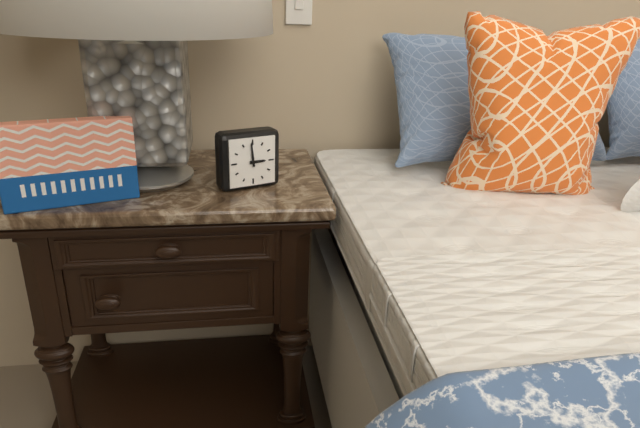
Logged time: h=2 m=59
